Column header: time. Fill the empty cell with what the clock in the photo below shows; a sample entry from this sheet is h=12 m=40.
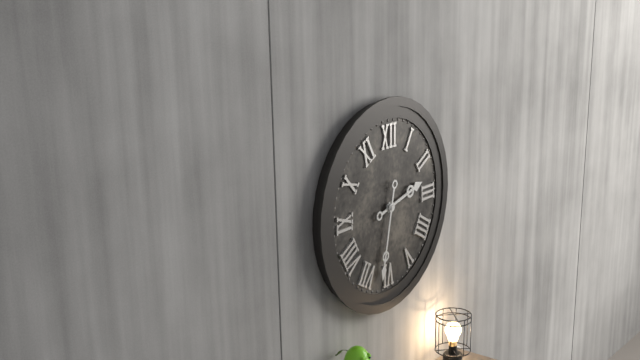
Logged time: h=2 m=32
